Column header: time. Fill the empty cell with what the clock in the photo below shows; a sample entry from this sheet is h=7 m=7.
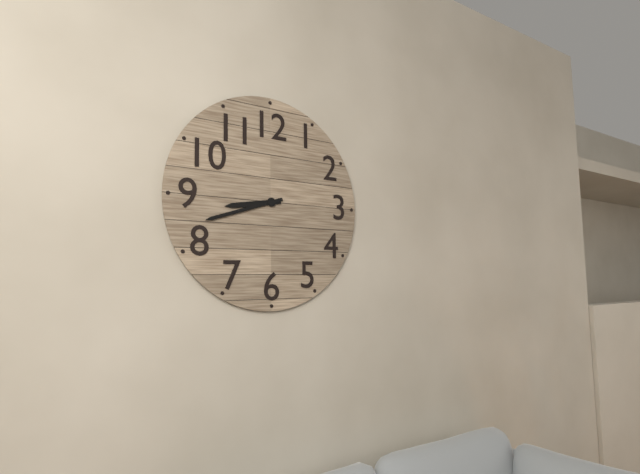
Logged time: h=8 m=42
